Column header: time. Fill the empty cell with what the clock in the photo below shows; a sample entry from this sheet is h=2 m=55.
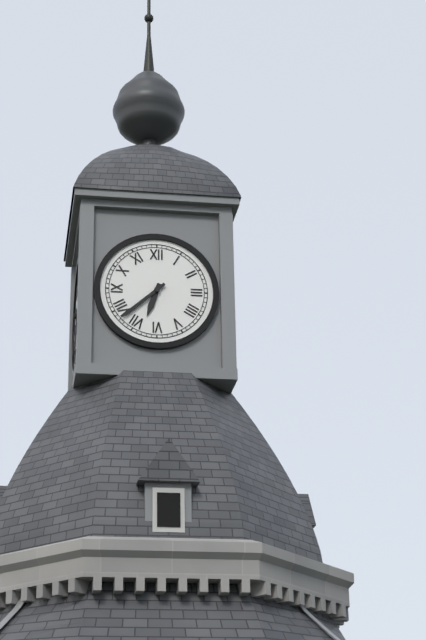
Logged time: h=6 m=38
